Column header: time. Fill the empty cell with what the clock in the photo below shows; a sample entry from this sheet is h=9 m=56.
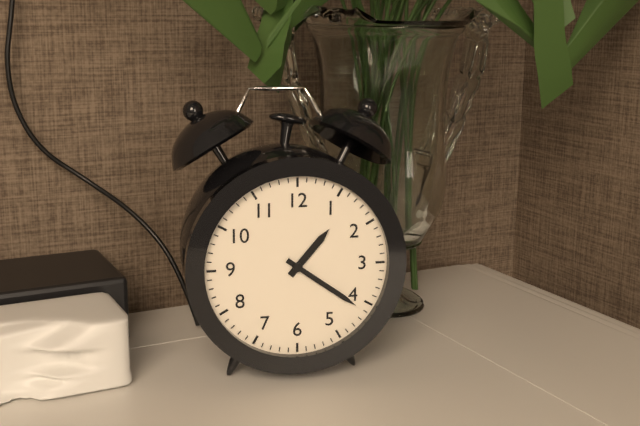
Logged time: h=1 m=21
